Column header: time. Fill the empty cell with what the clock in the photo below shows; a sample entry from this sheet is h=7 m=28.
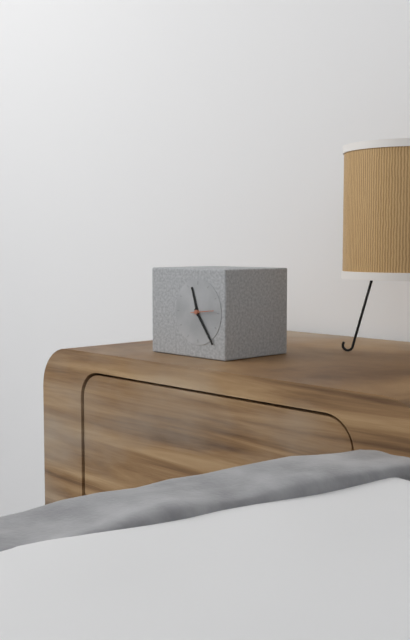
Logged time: h=11 m=24
